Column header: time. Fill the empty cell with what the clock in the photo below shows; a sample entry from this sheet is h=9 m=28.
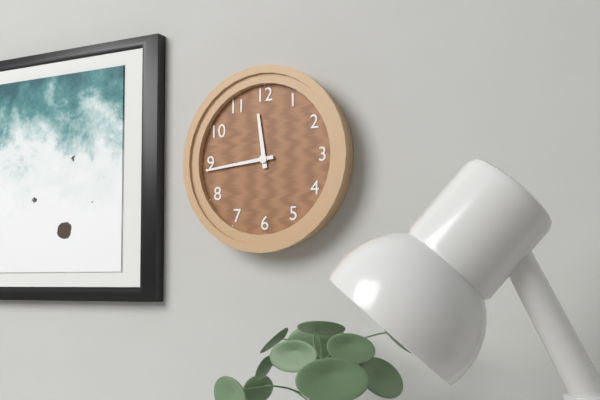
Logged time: h=11 m=44
